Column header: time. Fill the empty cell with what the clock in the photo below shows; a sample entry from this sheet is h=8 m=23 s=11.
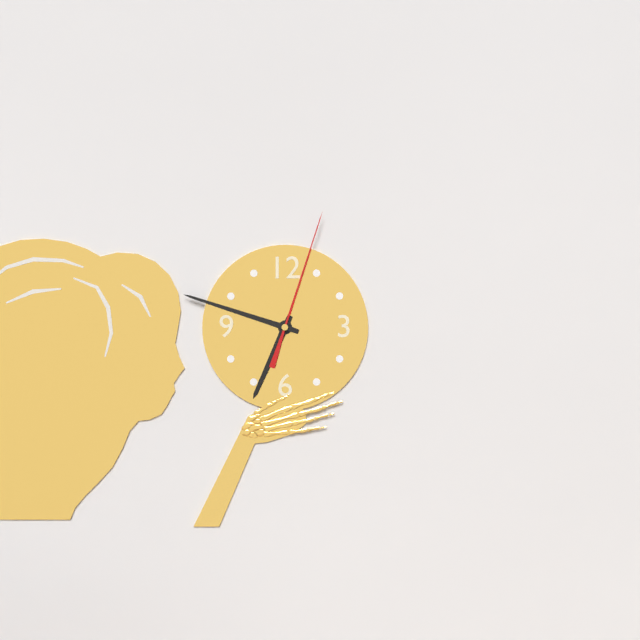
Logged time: h=6 m=48 s=3
